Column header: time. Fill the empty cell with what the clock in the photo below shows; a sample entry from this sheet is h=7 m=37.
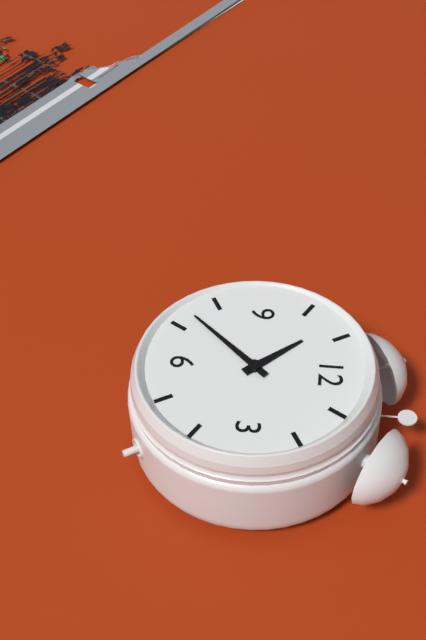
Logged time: h=10 m=37
